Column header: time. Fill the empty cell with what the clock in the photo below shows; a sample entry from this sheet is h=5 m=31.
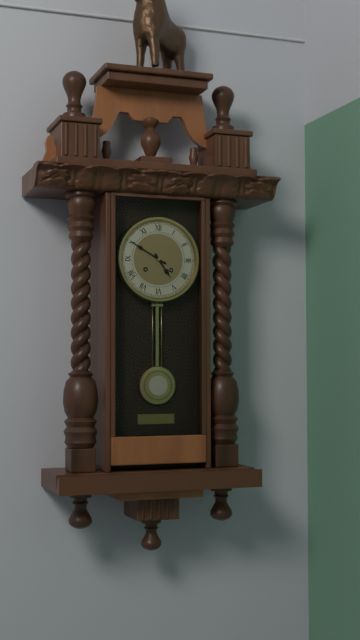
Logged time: h=4 m=50
